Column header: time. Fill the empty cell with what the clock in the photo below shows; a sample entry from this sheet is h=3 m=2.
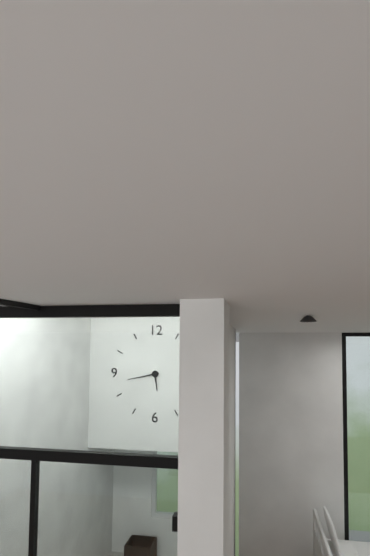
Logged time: h=5 m=43
